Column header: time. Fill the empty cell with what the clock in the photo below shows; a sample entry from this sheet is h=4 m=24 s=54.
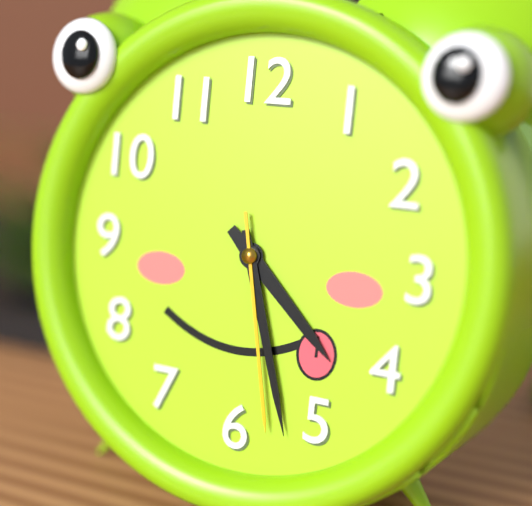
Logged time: h=4 m=27 s=28
